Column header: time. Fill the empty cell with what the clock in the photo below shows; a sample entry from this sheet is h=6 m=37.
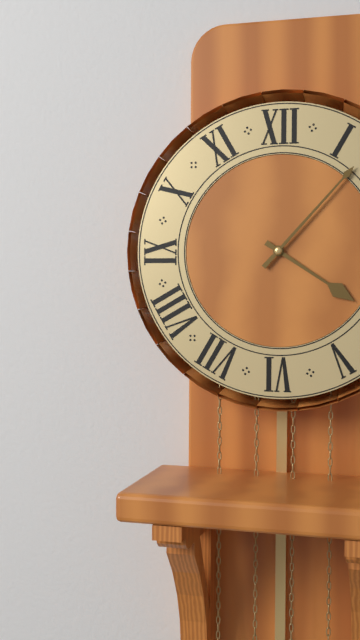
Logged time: h=4 m=7
